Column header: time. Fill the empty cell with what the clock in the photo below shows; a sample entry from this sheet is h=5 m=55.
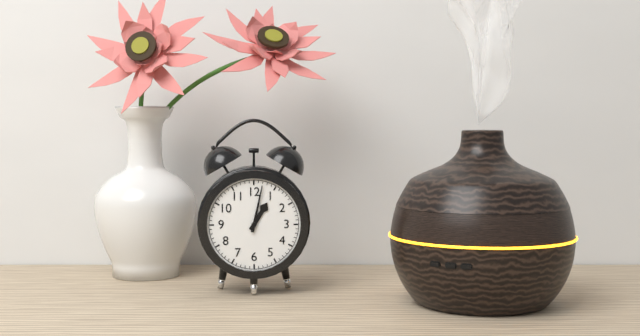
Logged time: h=1 m=2
